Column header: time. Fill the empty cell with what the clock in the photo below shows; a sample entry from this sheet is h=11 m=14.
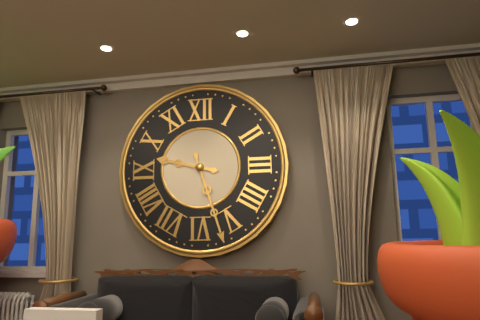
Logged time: h=9 m=27
